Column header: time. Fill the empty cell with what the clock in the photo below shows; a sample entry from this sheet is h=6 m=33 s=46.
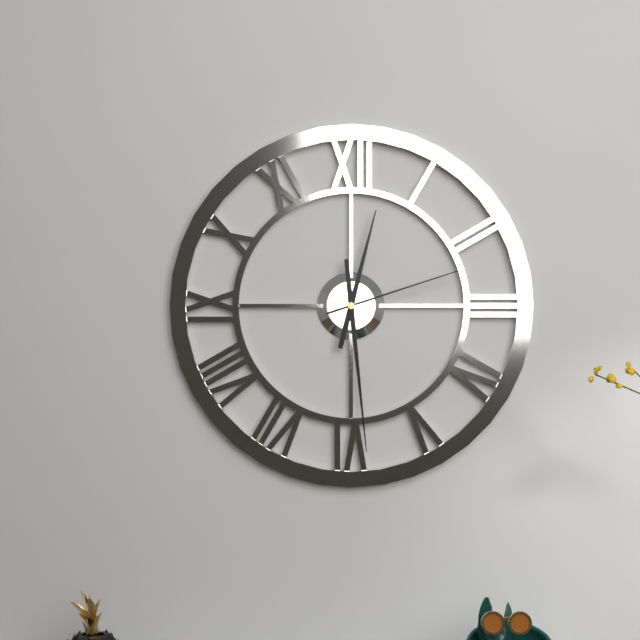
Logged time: h=12 m=29 s=12
